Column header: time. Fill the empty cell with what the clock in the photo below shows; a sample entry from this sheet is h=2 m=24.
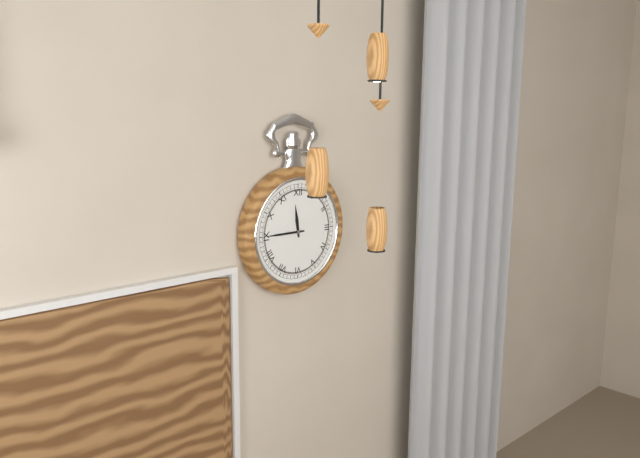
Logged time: h=11 m=45
